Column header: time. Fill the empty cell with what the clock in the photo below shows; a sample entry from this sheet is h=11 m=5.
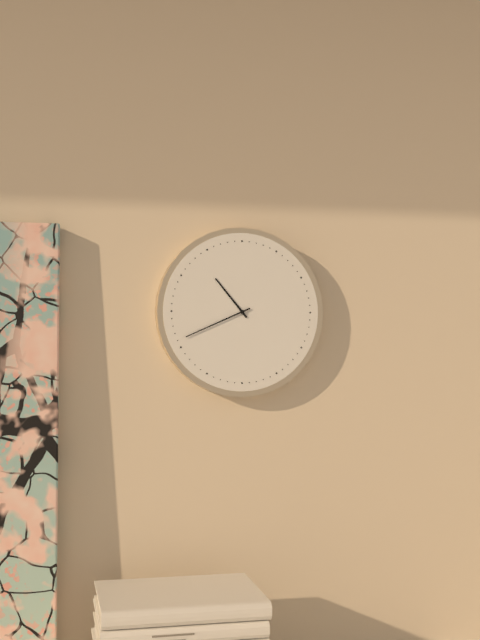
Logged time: h=10 m=41
